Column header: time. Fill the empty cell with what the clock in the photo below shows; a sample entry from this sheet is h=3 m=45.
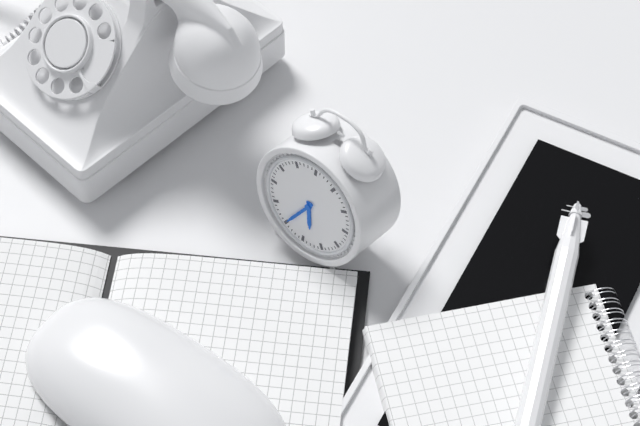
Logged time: h=5 m=35
